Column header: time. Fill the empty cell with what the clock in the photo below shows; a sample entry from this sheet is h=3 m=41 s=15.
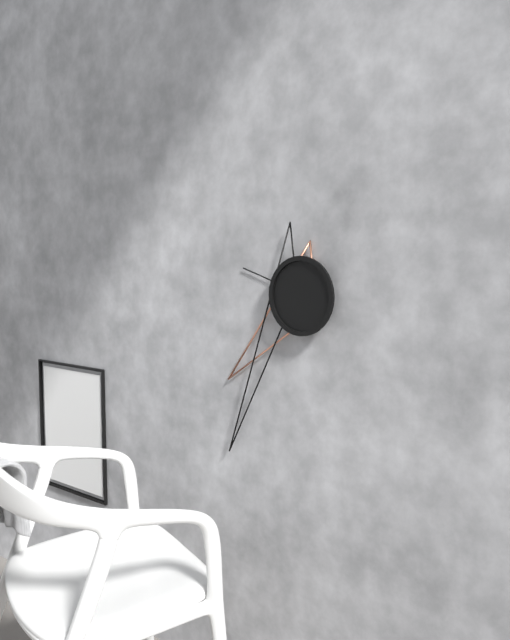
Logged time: h=7 m=35 s=48
